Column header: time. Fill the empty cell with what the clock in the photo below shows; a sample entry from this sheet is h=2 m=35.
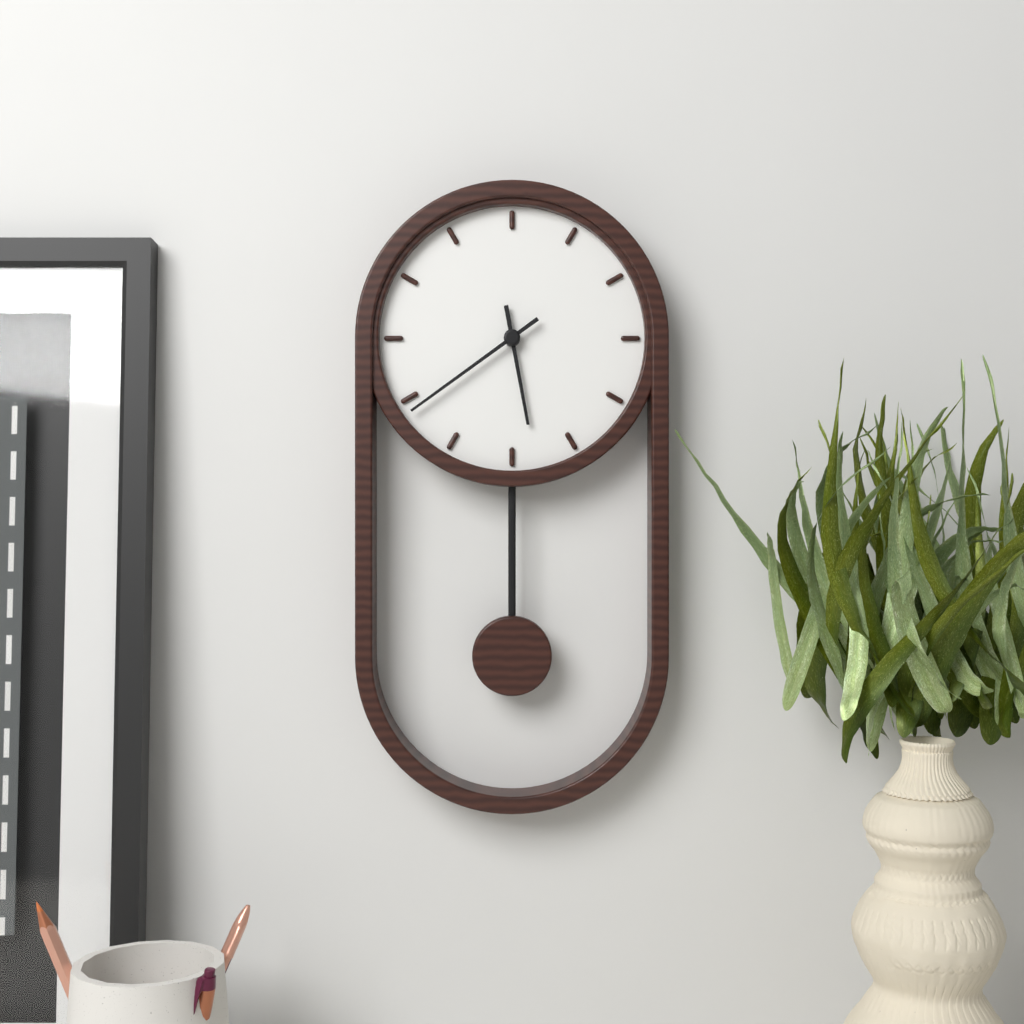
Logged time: h=5 m=39
